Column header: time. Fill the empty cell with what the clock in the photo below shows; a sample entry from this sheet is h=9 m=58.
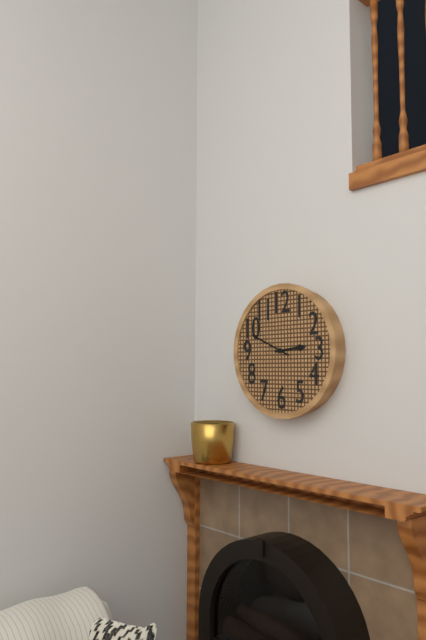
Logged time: h=2 m=49
